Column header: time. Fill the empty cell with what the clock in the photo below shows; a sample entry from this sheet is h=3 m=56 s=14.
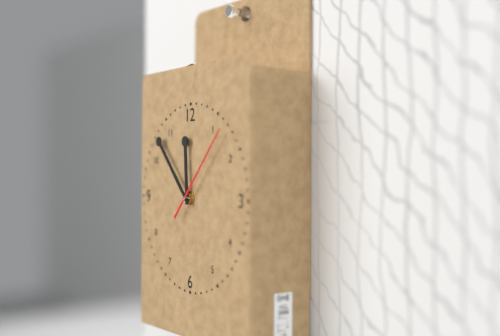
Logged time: h=11 m=53 s=7
